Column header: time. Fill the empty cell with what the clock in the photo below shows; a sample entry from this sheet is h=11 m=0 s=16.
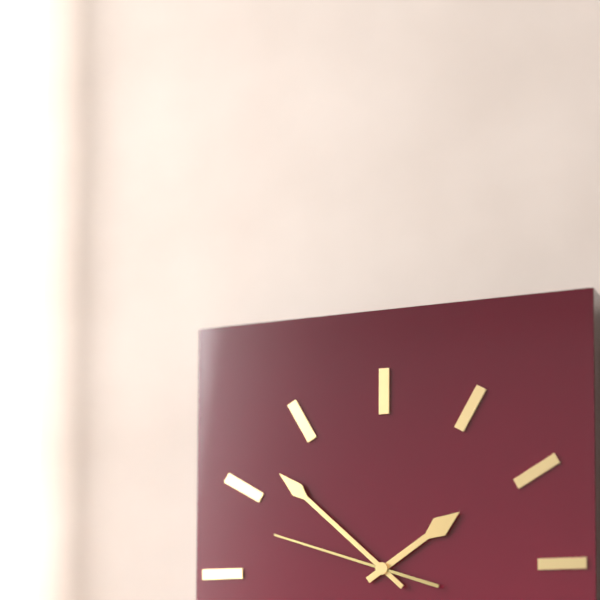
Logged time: h=1 m=52 s=48
